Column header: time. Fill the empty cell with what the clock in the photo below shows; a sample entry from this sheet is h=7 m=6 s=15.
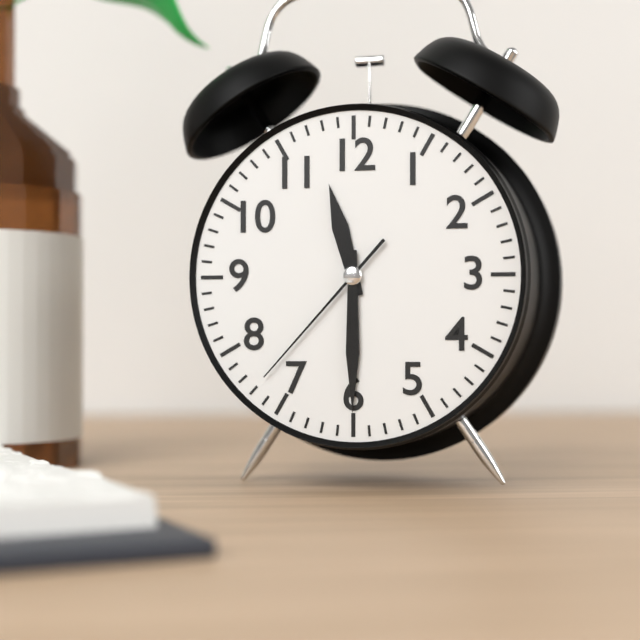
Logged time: h=11 m=30 s=37
